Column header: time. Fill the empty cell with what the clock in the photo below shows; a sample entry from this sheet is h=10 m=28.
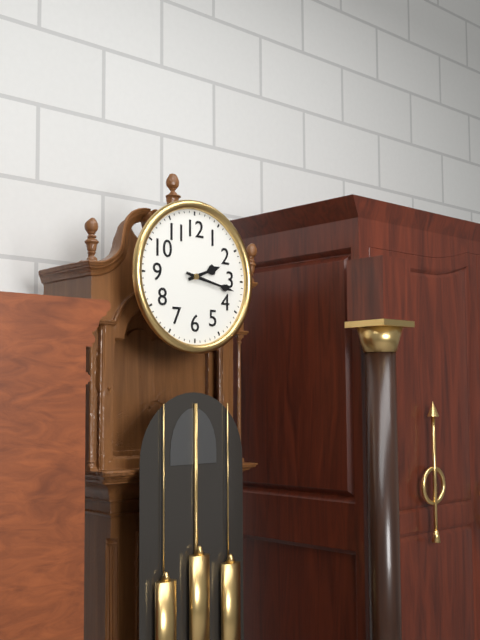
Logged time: h=2 m=17
